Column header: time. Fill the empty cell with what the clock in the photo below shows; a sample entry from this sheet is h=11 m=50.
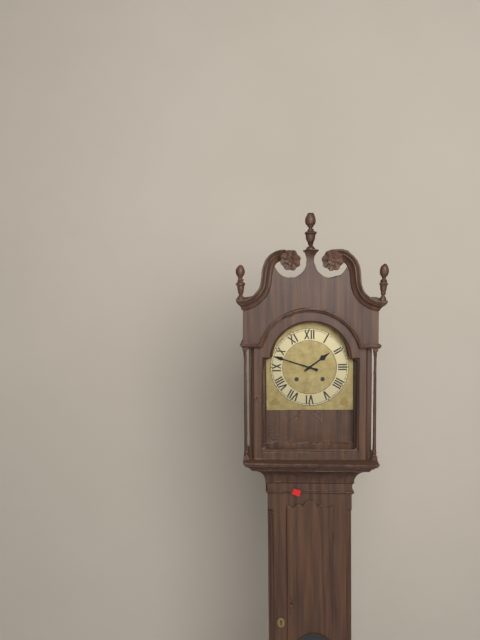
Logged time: h=1 m=48
